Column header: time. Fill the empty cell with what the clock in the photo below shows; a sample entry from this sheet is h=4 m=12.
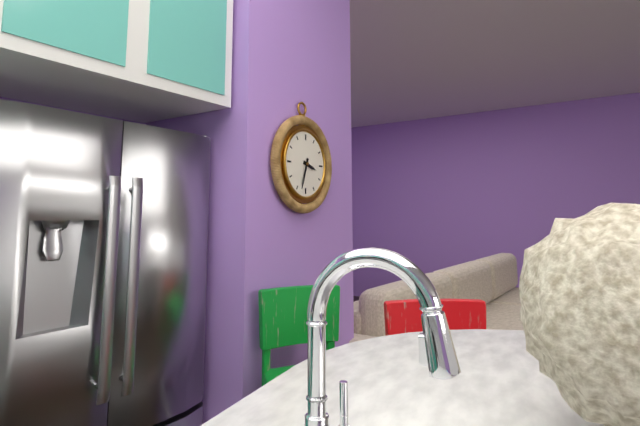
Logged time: h=3 m=33
